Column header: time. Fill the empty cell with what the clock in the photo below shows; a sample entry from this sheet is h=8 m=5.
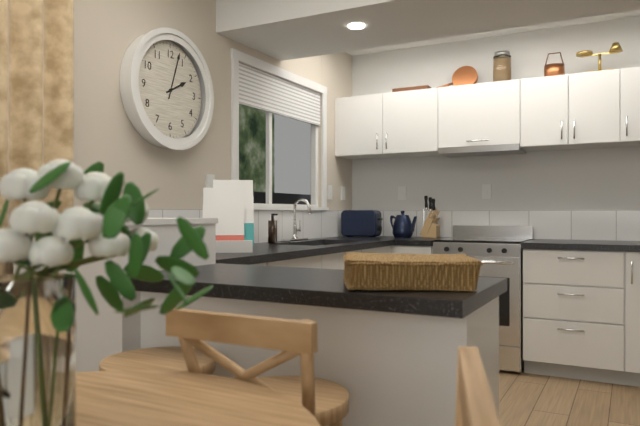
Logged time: h=2 m=3
